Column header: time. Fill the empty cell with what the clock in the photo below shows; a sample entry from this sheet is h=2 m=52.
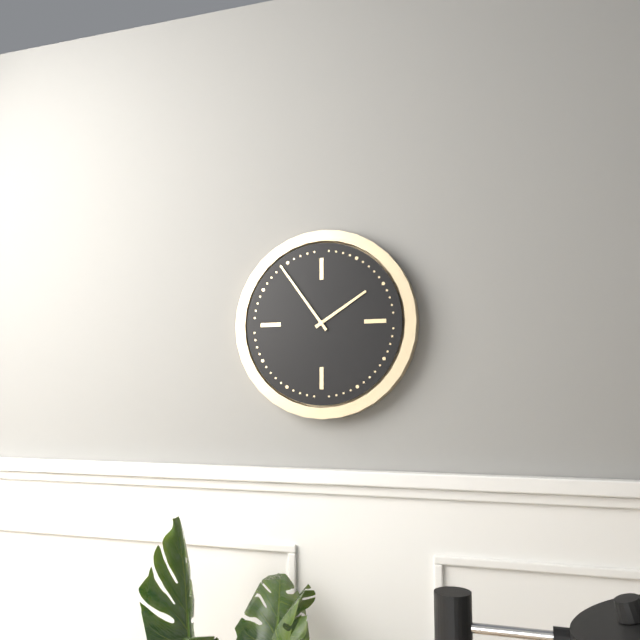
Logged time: h=1 m=54
